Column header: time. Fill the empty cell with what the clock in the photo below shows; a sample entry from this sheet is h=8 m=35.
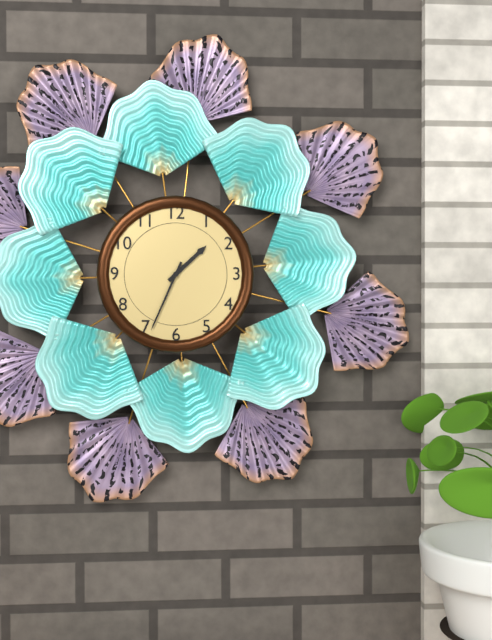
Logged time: h=1 m=34
